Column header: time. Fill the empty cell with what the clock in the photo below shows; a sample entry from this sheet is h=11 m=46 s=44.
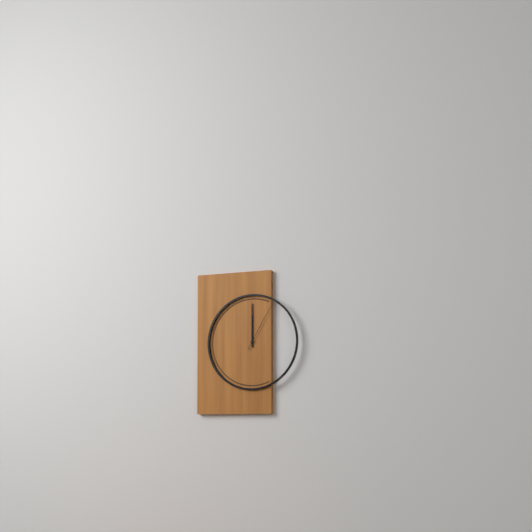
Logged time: h=12 m=0 s=5
